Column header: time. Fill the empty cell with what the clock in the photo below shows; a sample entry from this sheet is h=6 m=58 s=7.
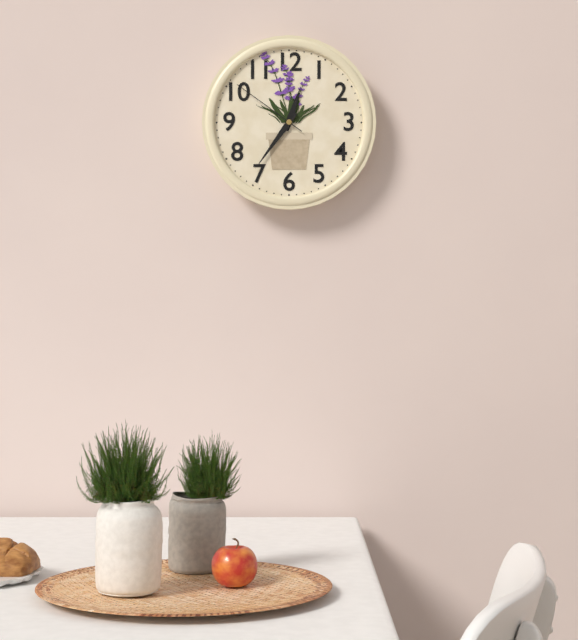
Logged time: h=12 m=36 s=51
